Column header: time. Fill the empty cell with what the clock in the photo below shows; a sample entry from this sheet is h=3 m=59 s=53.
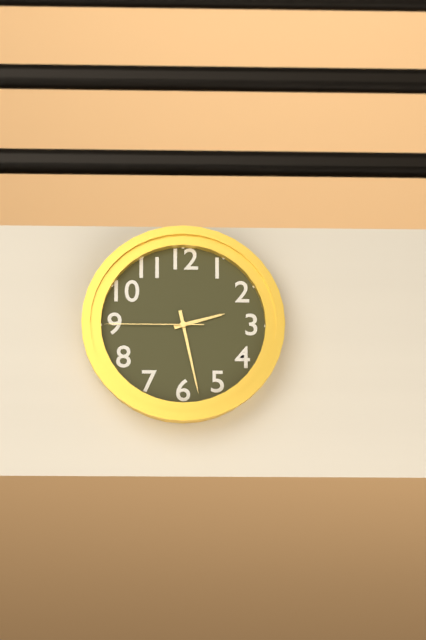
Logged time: h=2 m=28 s=45
